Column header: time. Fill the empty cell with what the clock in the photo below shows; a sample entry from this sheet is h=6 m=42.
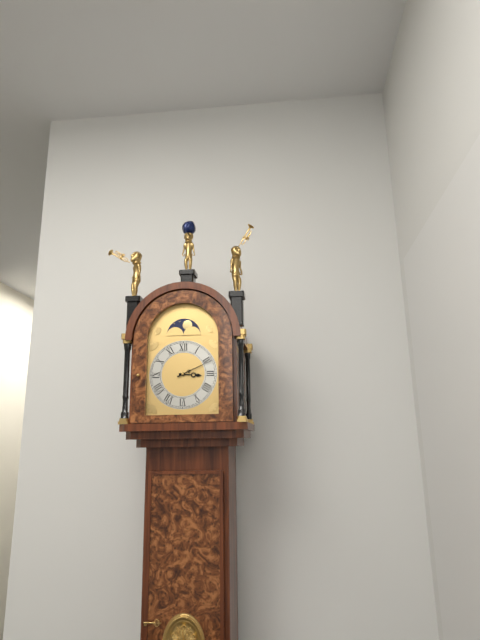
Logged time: h=3 m=11
